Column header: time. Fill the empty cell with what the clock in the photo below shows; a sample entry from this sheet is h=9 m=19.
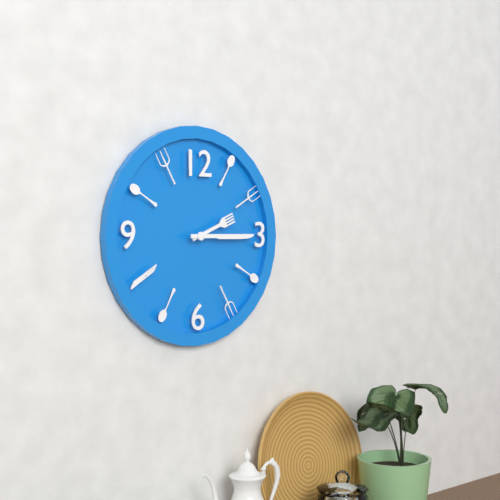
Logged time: h=2 m=15
